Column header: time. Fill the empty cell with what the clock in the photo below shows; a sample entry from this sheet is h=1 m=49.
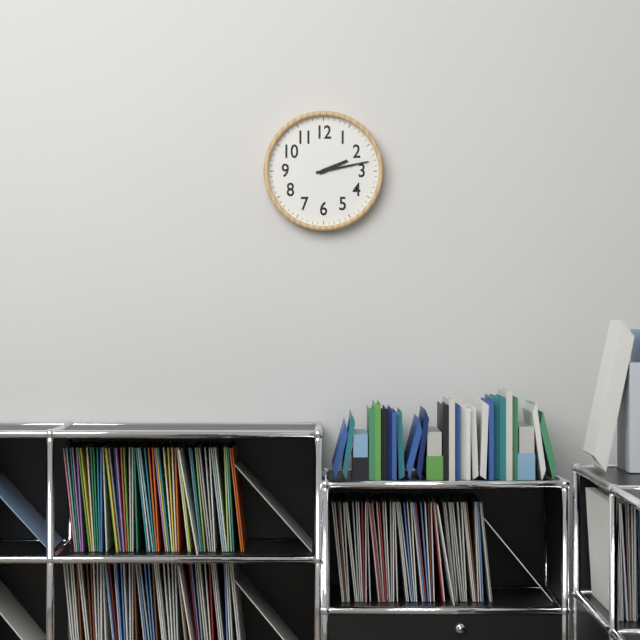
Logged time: h=2 m=13
